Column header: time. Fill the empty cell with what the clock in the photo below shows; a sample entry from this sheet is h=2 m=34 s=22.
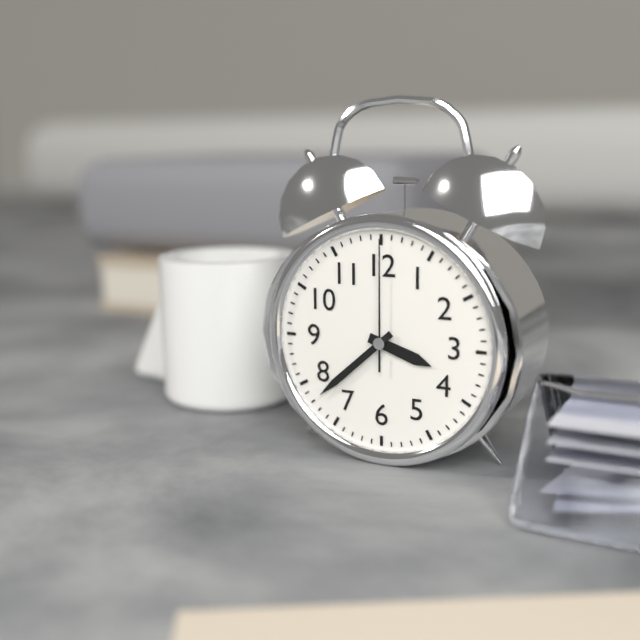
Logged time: h=3 m=38 s=0
